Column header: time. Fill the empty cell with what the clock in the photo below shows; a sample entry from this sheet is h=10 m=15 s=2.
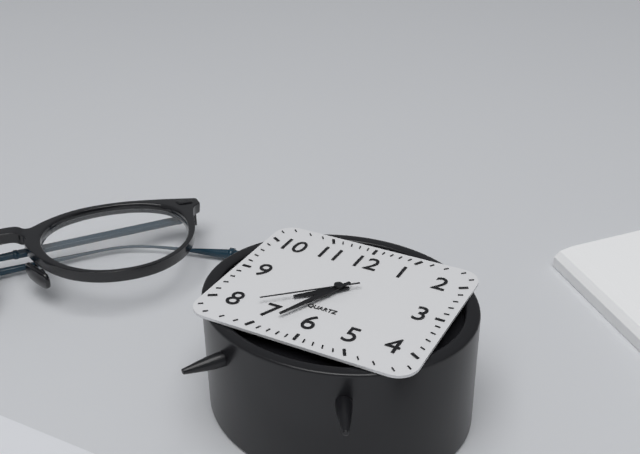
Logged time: h=7 m=34 s=38
